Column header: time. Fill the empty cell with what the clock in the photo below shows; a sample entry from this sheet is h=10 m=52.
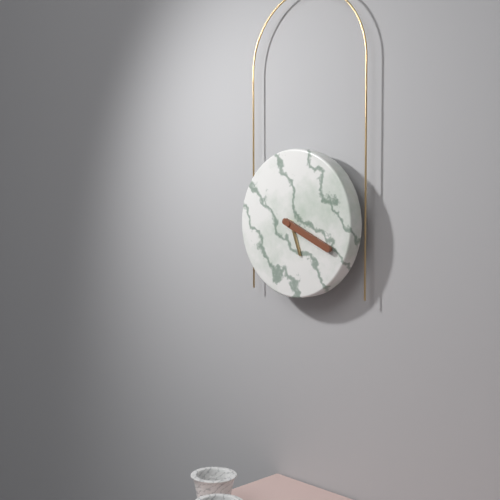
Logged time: h=5 m=19
